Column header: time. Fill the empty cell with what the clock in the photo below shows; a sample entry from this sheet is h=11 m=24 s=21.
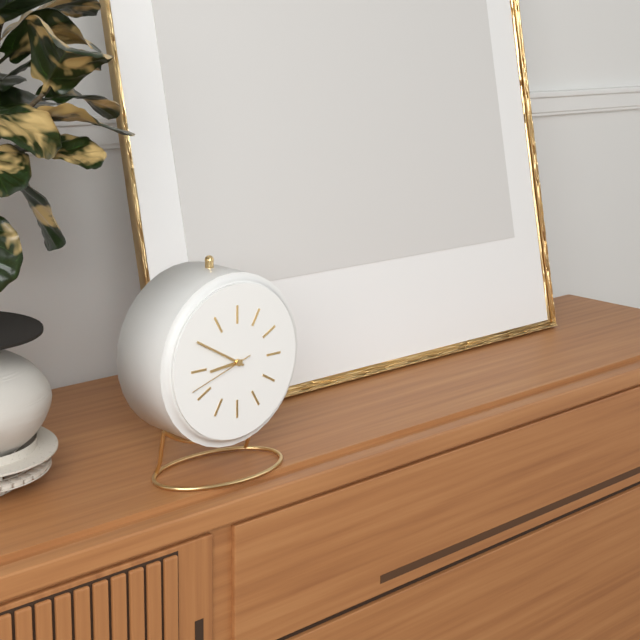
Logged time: h=8 m=50 s=42
